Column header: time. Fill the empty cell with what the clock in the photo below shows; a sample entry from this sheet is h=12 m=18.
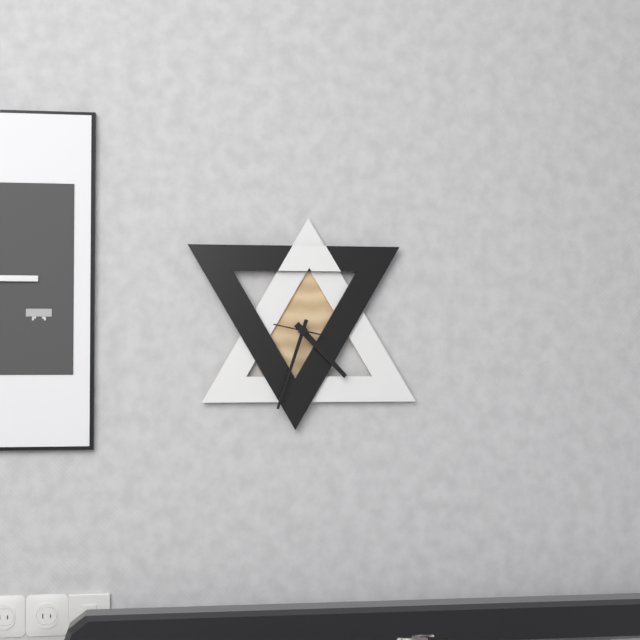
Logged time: h=4 m=33
